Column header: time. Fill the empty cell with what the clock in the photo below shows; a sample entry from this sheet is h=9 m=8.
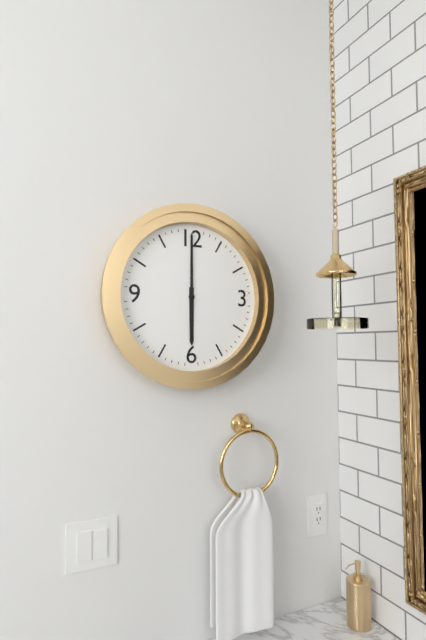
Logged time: h=6 m=0
